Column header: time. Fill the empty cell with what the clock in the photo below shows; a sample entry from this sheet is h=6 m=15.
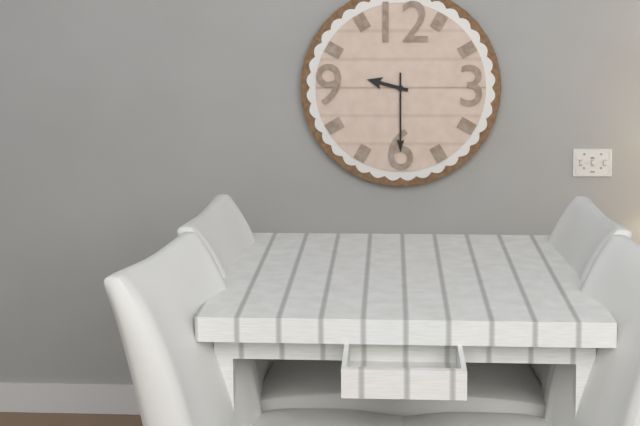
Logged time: h=9 m=30
